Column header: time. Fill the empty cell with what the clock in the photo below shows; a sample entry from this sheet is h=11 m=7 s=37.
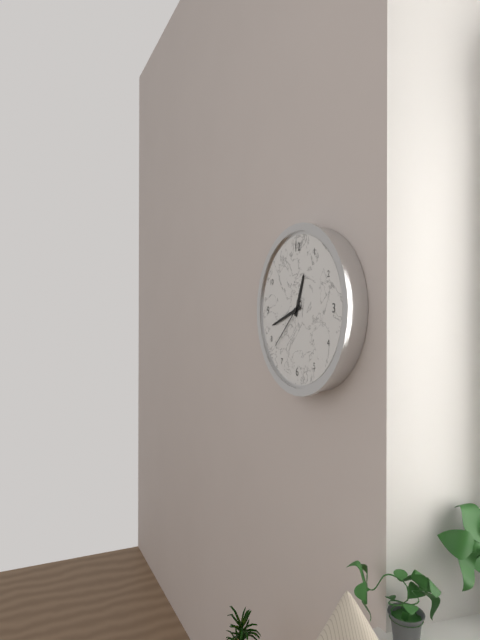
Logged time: h=12 m=42 s=38
